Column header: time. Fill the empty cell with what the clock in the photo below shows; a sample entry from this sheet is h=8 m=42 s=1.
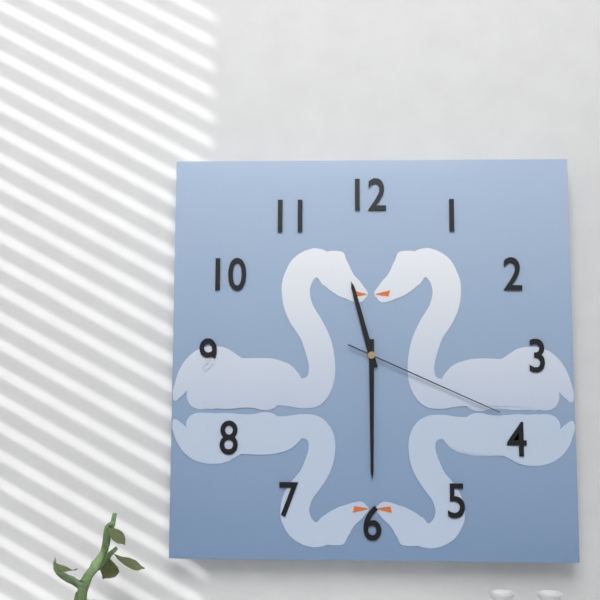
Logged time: h=11 m=30 s=19
